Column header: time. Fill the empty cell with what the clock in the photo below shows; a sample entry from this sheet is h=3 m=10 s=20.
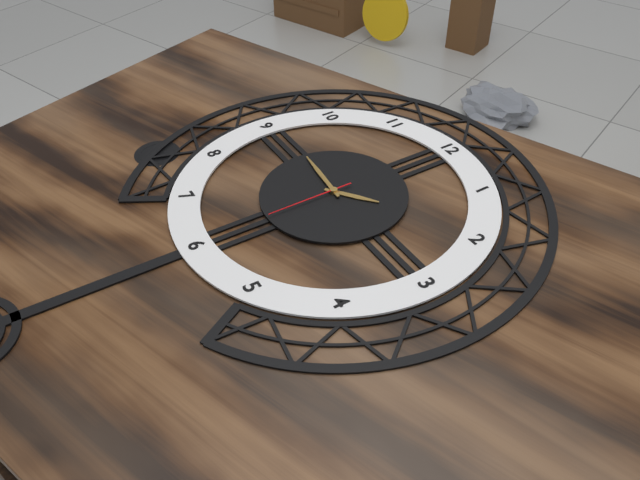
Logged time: h=1 m=46 s=30
